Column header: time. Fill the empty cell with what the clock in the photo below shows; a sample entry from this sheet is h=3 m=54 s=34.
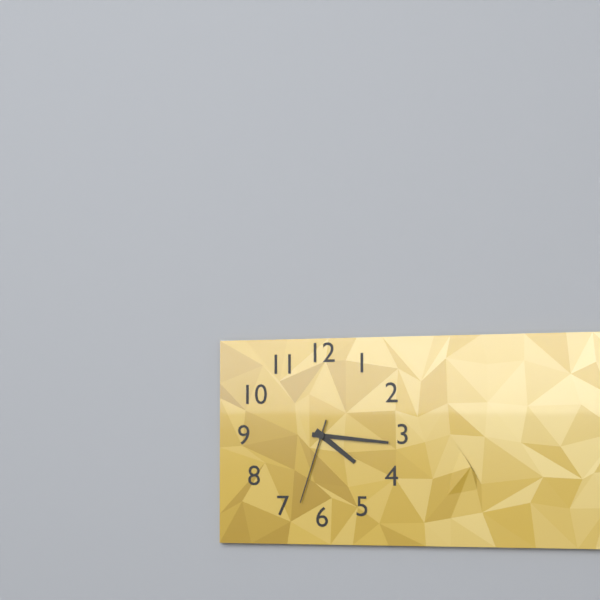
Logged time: h=4 m=16 s=33
